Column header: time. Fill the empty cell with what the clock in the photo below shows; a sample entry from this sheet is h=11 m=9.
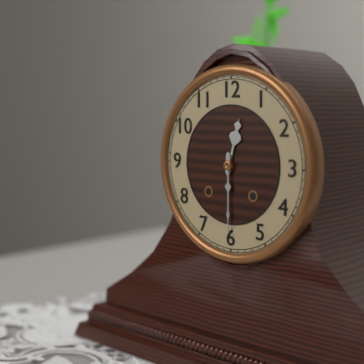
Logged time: h=12 m=30
